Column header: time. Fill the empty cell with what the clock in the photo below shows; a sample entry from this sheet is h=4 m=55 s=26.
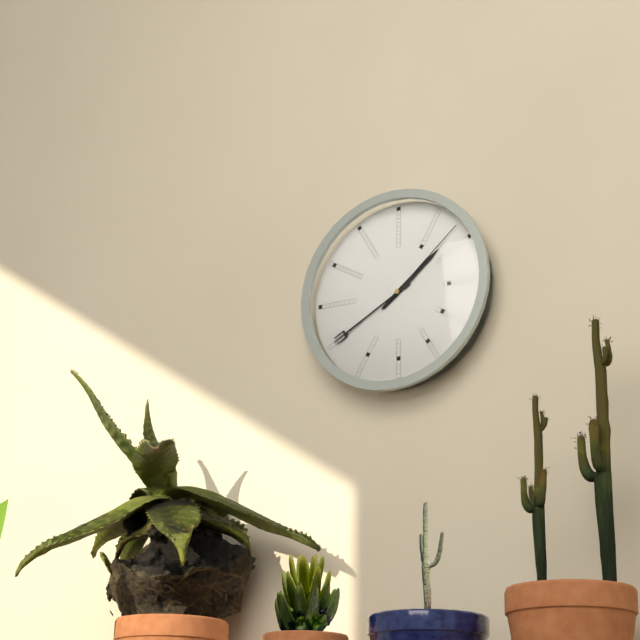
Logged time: h=1 m=40 s=8
